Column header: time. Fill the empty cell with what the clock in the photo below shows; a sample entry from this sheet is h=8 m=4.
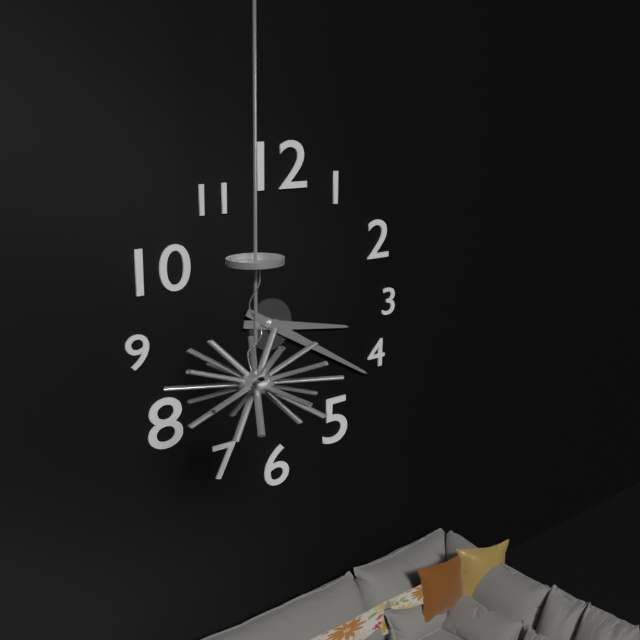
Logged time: h=3 m=20
